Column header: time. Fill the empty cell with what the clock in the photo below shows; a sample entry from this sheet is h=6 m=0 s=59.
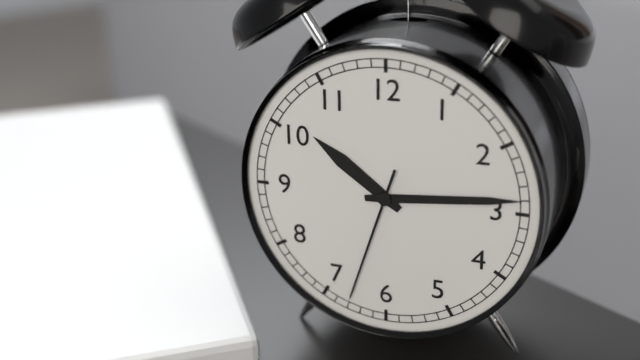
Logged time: h=10 m=14 s=33
